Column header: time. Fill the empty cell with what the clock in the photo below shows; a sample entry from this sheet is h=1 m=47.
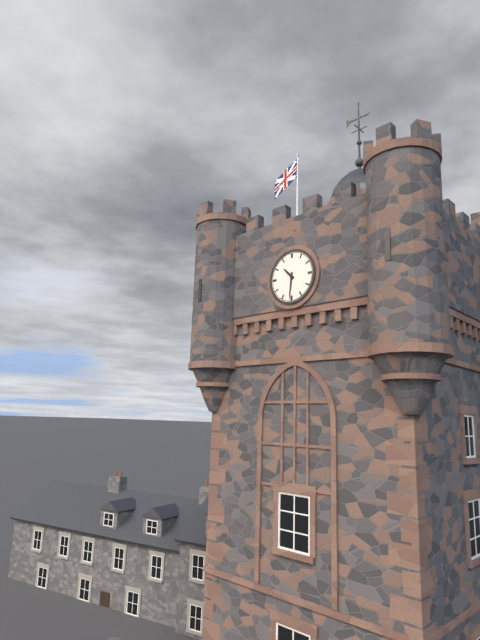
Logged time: h=10 m=31
